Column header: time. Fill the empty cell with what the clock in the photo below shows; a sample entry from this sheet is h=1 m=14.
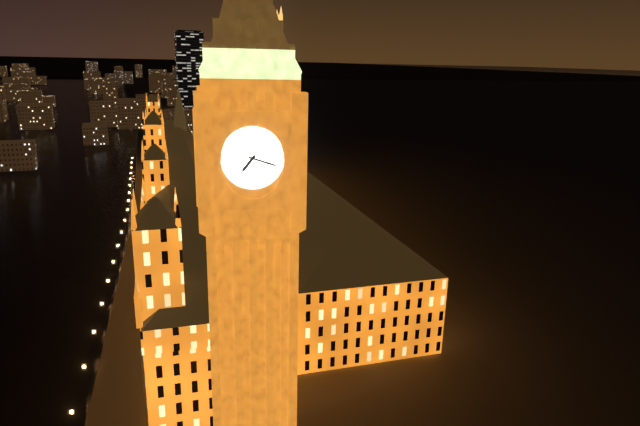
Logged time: h=7 m=18
